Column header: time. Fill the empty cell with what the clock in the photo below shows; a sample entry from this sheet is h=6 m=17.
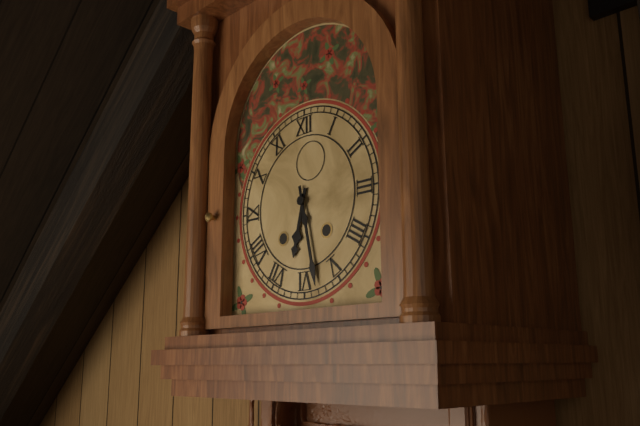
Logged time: h=6 m=28
